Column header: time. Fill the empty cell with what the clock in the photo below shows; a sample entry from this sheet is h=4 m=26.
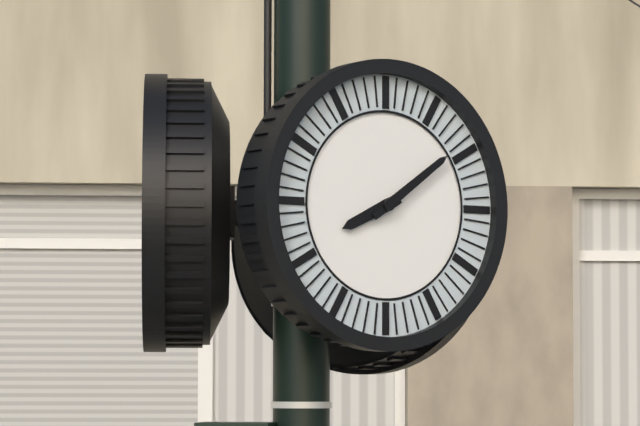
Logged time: h=8 m=9
